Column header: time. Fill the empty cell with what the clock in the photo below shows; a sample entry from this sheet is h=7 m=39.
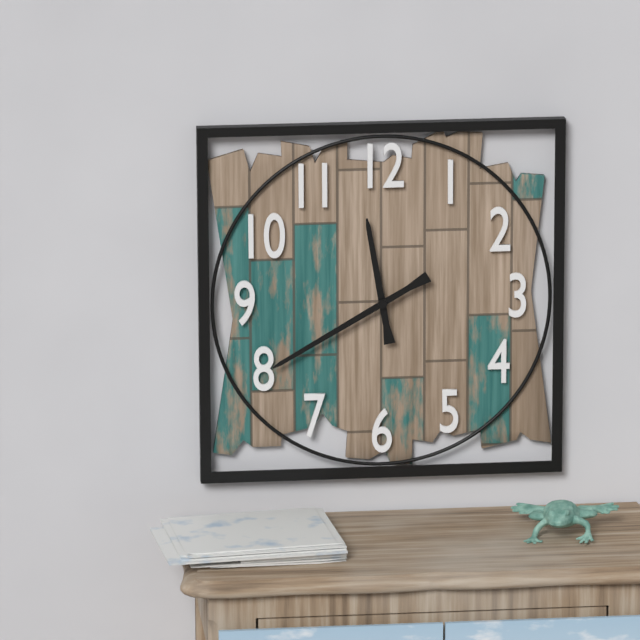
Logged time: h=11 m=40
